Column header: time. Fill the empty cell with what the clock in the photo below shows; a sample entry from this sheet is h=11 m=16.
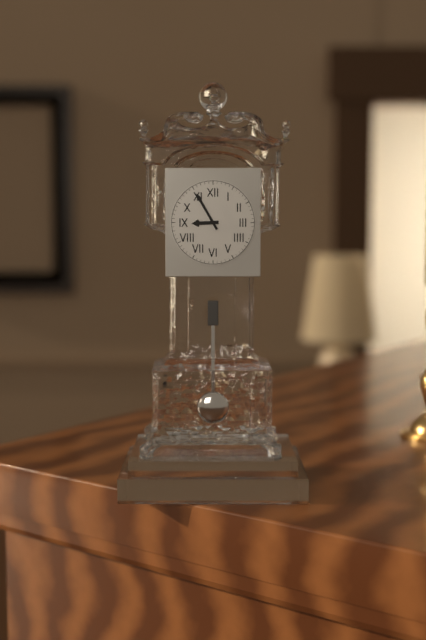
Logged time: h=8 m=55
